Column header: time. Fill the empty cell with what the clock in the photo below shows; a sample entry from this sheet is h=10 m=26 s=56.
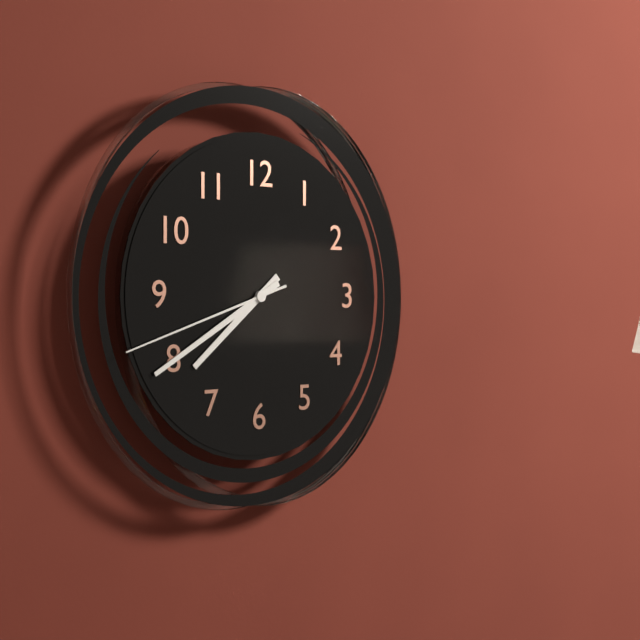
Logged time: h=7 m=40 s=42
